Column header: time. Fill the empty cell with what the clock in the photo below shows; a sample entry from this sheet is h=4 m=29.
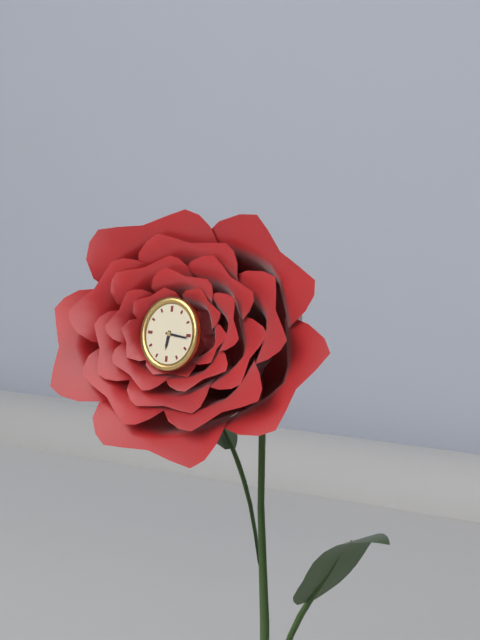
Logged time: h=6 m=16
